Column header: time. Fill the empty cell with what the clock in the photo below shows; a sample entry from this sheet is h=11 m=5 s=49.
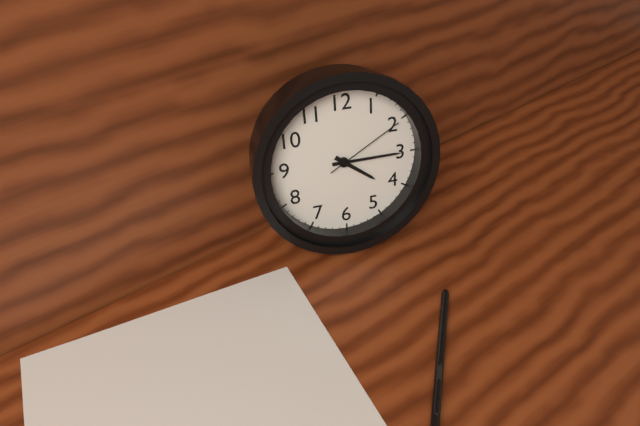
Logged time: h=4 m=15 s=10
